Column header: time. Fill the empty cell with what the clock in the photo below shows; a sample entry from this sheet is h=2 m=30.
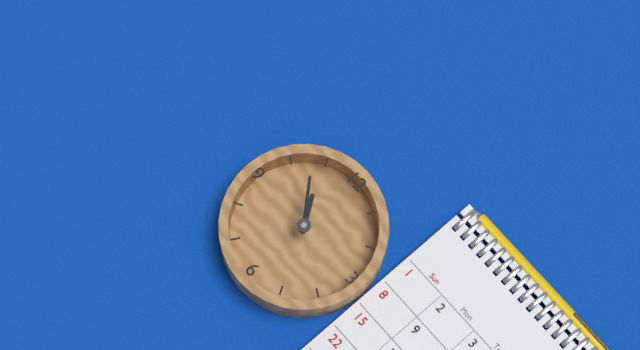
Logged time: h=10 m=53
